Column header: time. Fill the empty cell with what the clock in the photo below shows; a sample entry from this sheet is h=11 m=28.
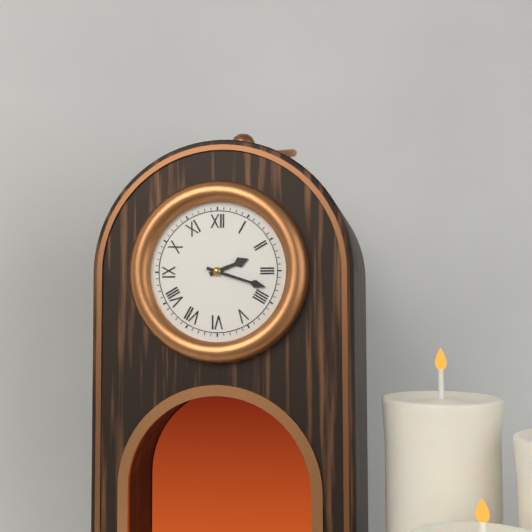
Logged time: h=2 m=18
